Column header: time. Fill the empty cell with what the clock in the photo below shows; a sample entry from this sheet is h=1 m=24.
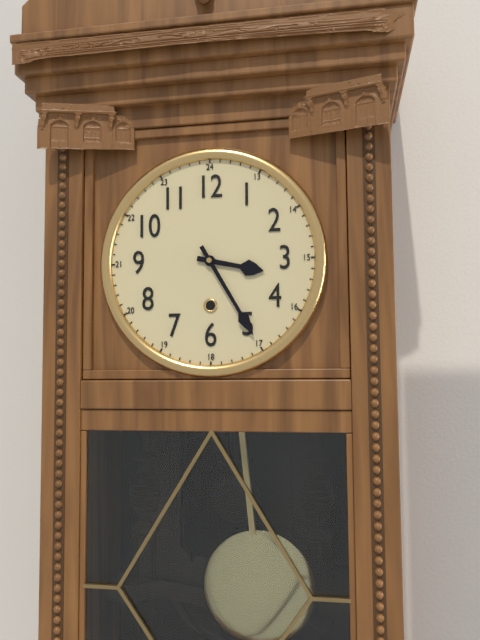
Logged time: h=3 m=25
